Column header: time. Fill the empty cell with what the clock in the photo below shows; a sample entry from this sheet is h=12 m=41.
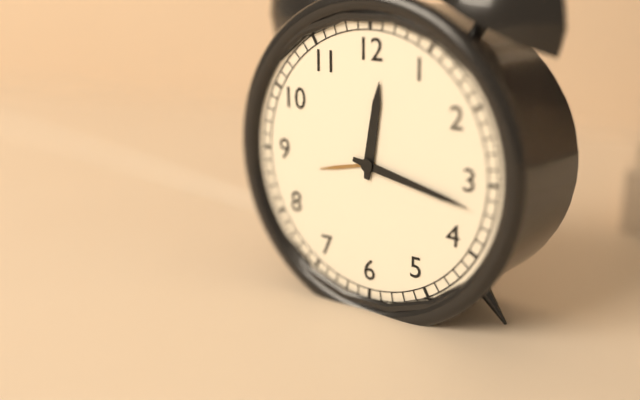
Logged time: h=12 m=17
